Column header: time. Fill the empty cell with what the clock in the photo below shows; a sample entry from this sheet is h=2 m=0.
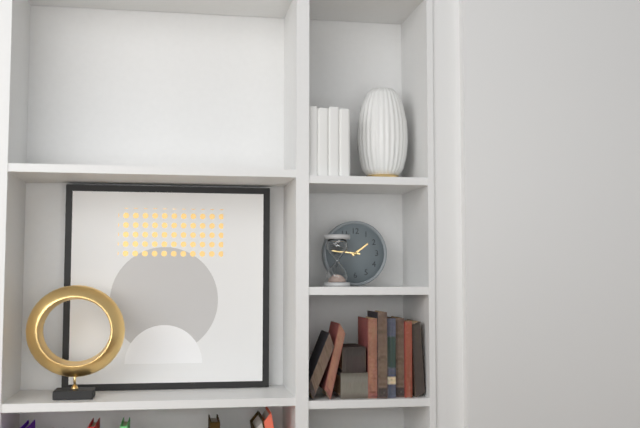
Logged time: h=1 m=46
